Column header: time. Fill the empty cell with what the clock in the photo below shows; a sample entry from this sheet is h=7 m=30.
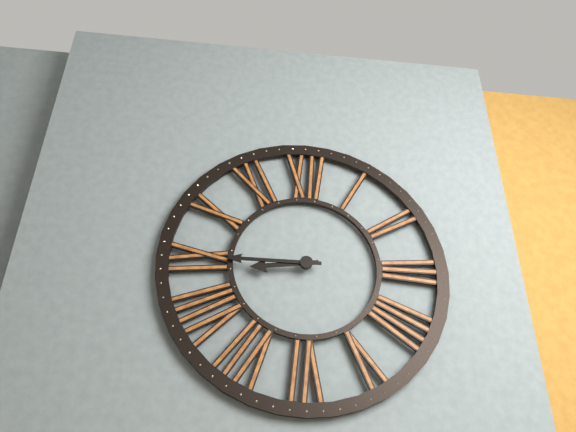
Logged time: h=8 m=45
